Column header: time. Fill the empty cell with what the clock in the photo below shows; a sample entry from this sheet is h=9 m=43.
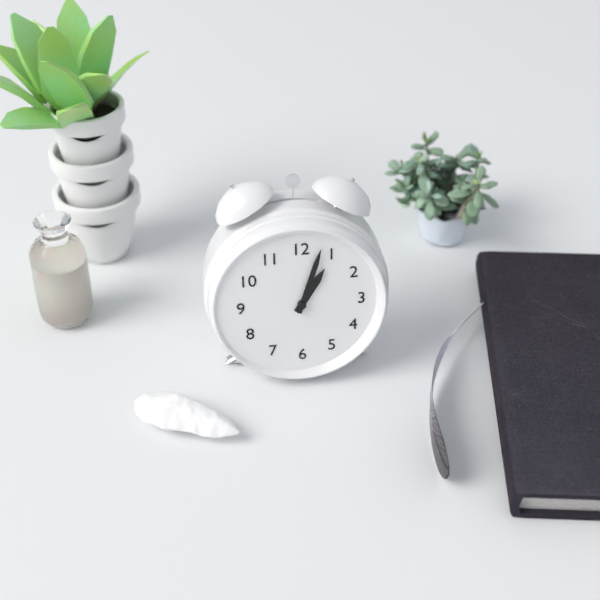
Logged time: h=1 m=3
